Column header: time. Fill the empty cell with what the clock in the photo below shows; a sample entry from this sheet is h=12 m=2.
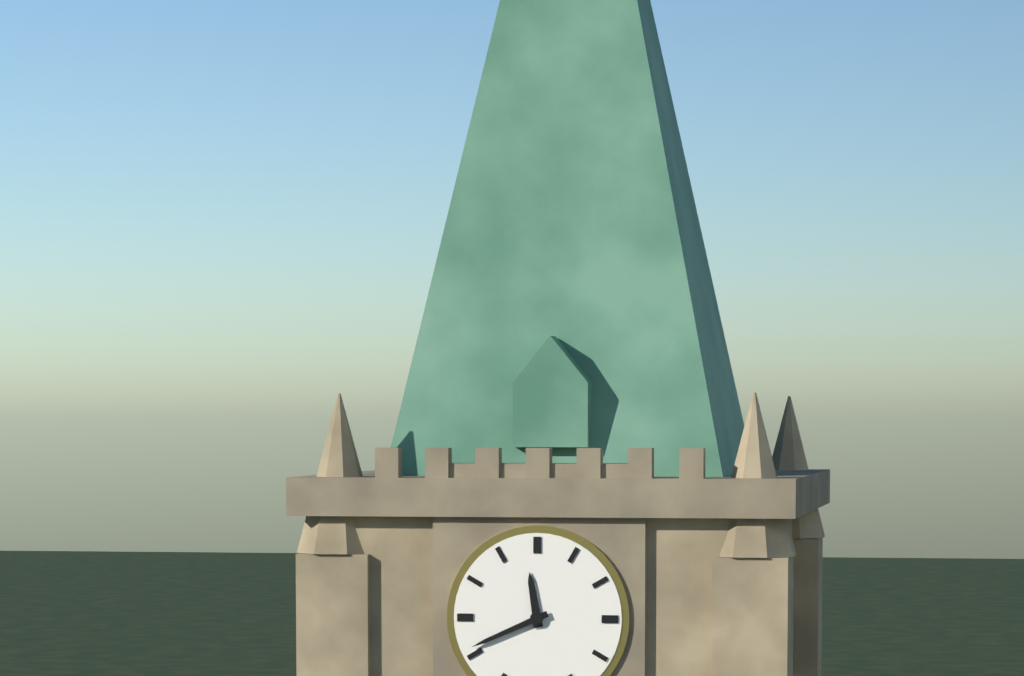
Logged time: h=11 m=41
